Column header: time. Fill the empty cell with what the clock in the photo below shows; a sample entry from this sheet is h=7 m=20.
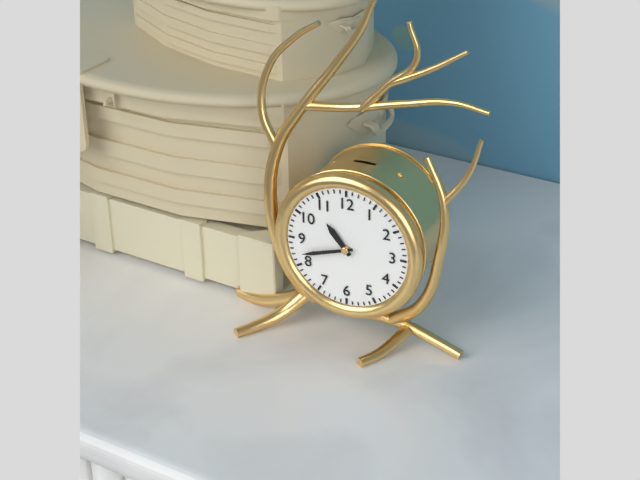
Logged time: h=10 m=42
